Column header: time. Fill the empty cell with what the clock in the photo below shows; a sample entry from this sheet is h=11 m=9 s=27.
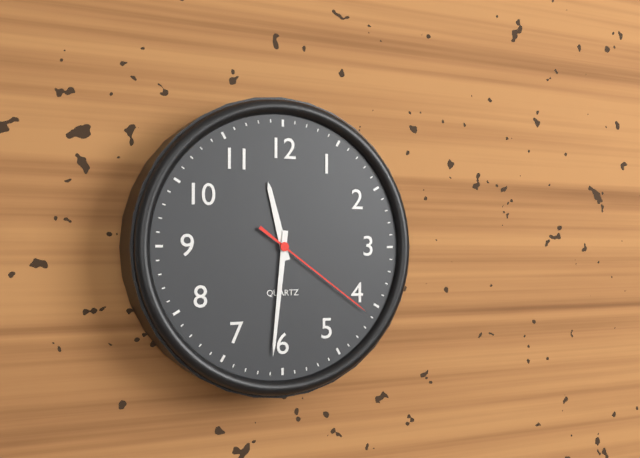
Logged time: h=11 m=31 s=21
